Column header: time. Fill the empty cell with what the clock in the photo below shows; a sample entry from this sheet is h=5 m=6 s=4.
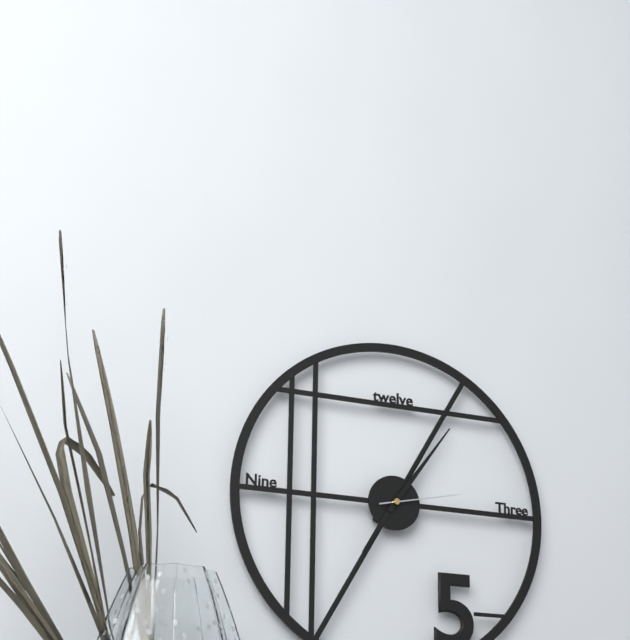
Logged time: h=7 m=6 s=13
